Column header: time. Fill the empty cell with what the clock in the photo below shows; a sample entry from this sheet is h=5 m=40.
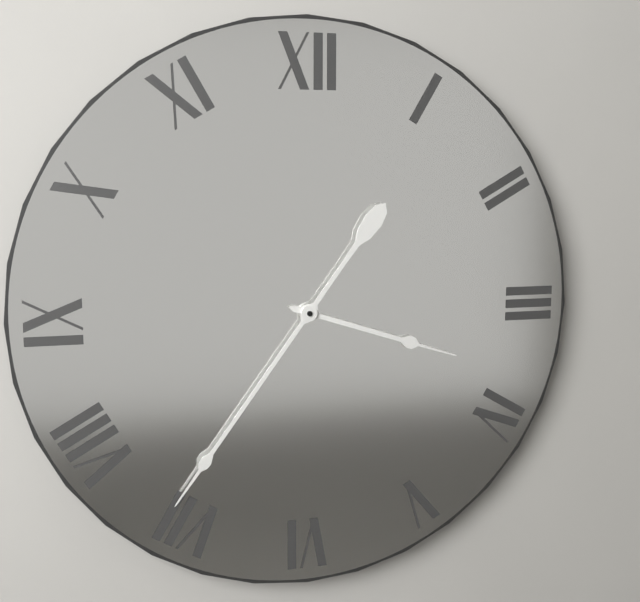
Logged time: h=3 m=36
